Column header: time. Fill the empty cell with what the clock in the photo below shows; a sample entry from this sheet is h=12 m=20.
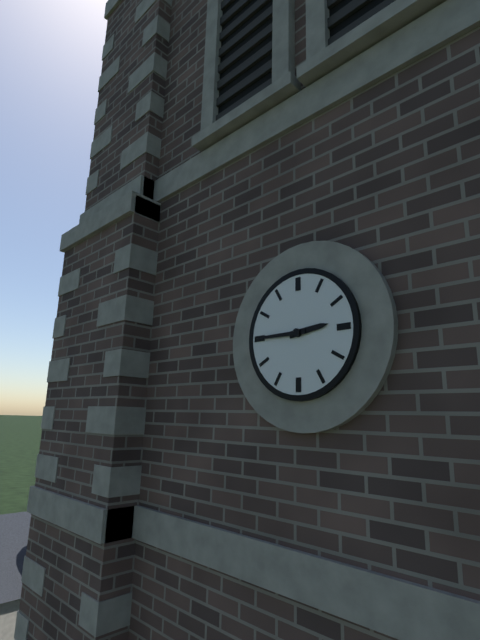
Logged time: h=2 m=45
